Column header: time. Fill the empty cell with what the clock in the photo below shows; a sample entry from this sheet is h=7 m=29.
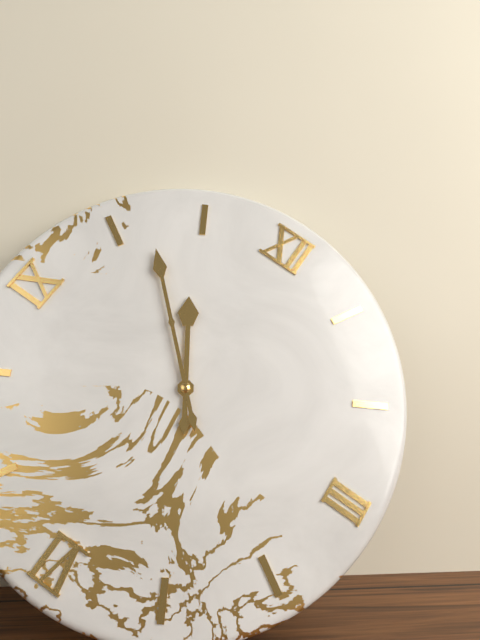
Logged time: h=10 m=52
